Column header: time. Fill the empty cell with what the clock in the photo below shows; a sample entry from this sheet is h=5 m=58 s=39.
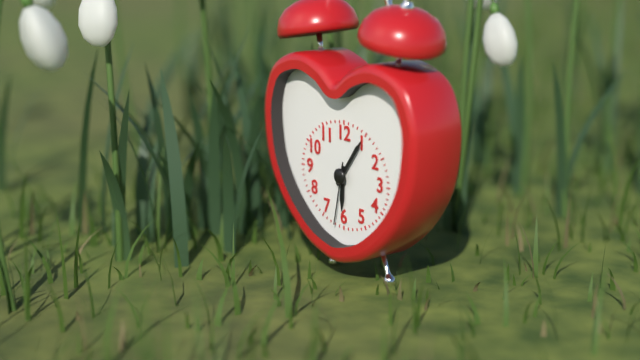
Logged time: h=6 m=6 s=32
